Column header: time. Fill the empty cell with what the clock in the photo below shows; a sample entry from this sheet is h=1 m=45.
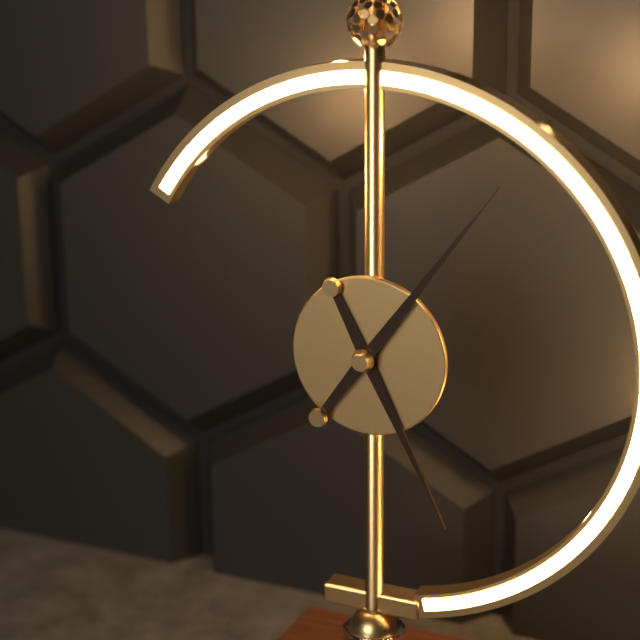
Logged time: h=5 m=6
